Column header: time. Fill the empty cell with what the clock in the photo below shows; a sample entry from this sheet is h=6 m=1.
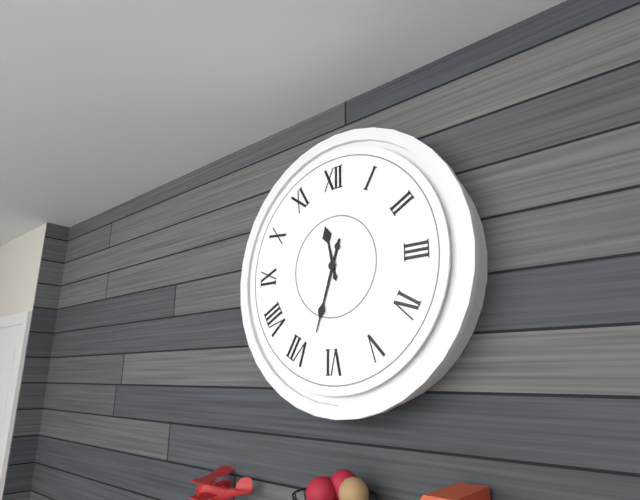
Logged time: h=11 m=33
